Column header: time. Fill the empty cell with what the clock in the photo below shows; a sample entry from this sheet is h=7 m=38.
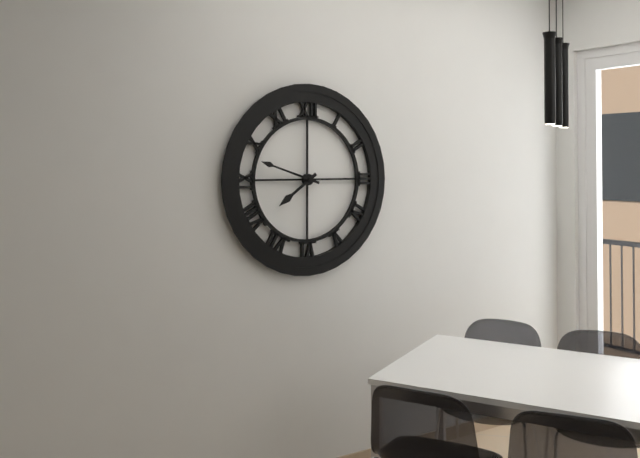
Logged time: h=7 m=48
